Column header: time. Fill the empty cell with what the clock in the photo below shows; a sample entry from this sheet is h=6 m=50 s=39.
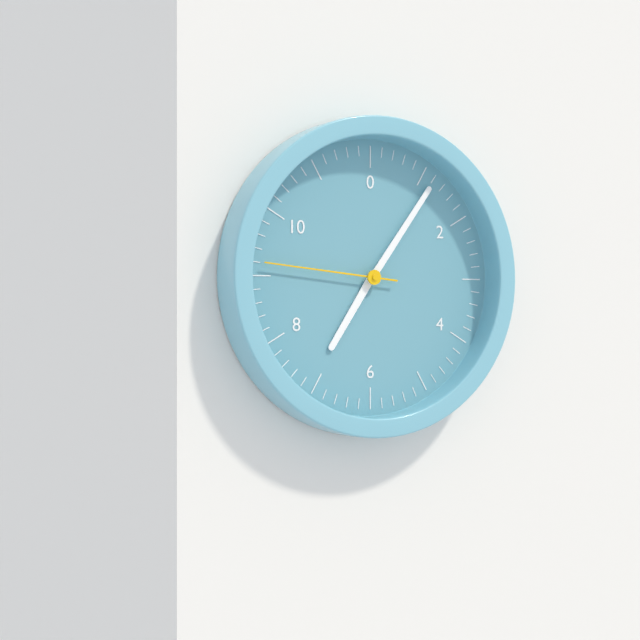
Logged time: h=7 m=6 s=46
